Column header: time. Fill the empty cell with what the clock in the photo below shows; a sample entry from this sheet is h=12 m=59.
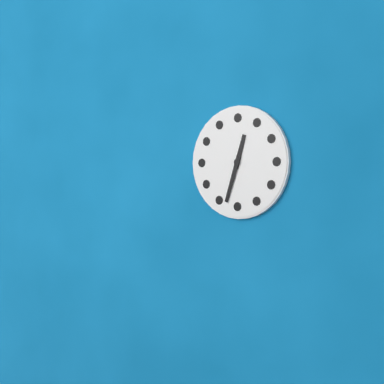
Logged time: h=12 m=33
